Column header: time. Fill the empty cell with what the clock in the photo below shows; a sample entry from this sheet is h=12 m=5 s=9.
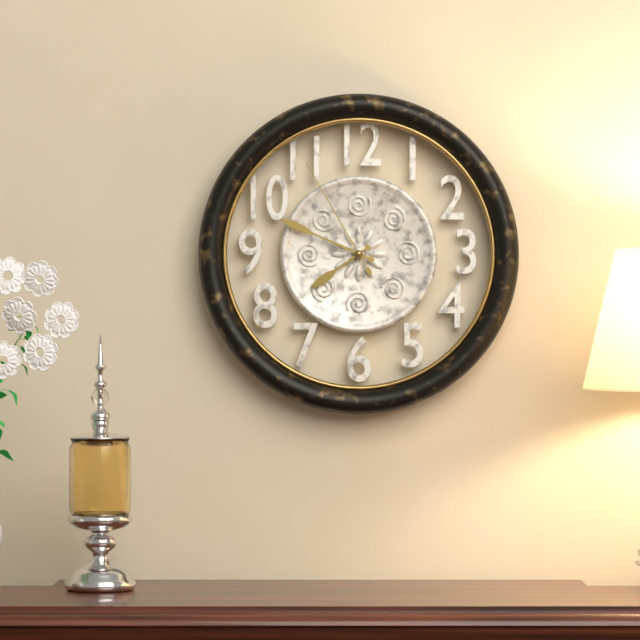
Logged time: h=7 m=49 s=55
